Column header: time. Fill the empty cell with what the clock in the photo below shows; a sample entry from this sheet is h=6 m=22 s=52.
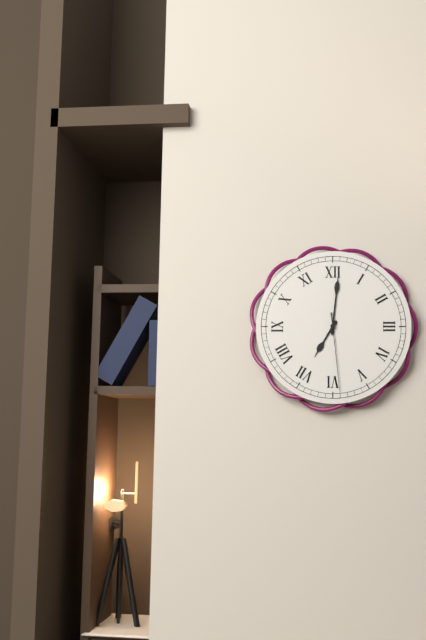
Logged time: h=7 m=1 s=29
